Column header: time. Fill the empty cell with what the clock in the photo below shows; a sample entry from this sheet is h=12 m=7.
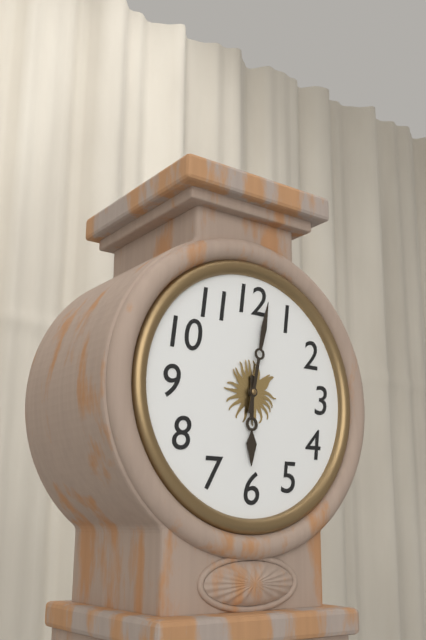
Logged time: h=6 m=2
